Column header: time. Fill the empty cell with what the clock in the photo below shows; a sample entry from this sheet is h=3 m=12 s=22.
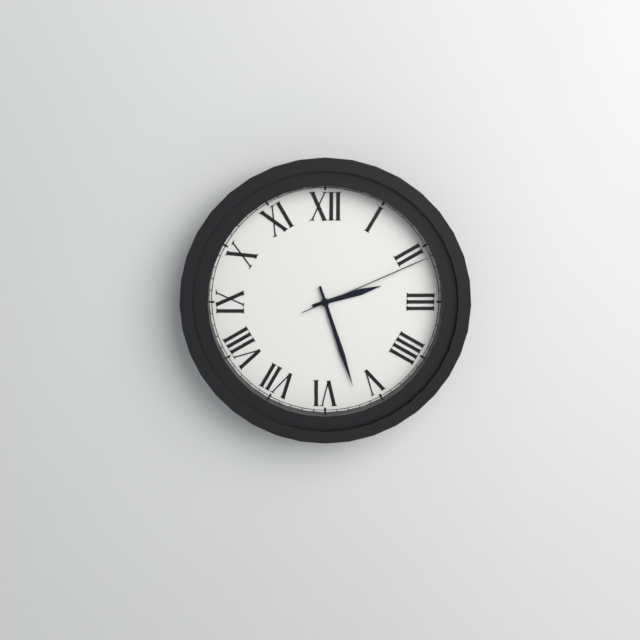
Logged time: h=2 m=27 s=11
